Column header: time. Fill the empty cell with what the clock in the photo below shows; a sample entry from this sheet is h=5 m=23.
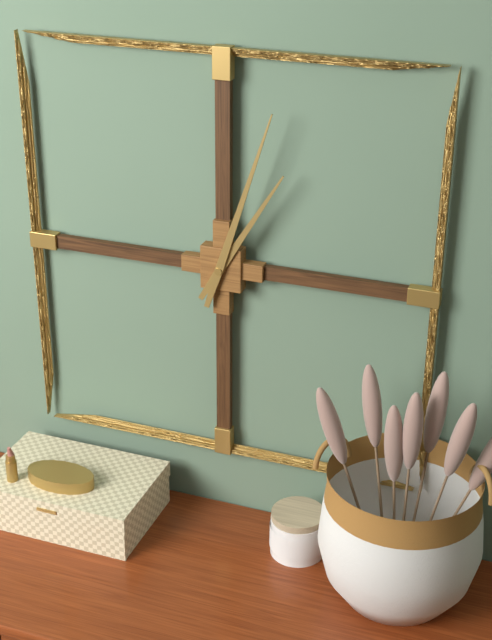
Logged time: h=1 m=3
